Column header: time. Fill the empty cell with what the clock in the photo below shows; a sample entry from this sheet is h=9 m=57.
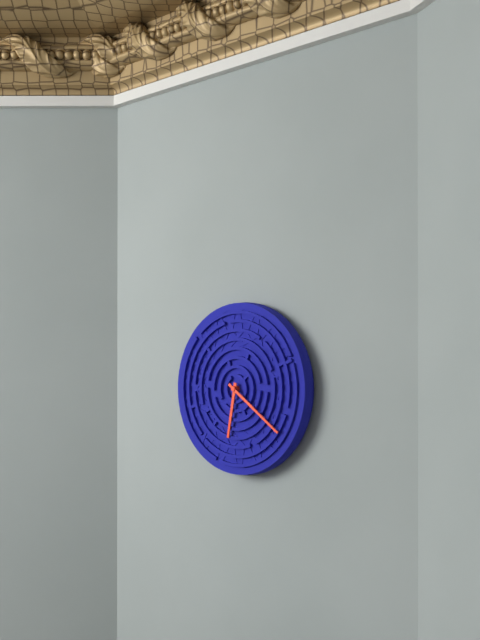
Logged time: h=6 m=21
